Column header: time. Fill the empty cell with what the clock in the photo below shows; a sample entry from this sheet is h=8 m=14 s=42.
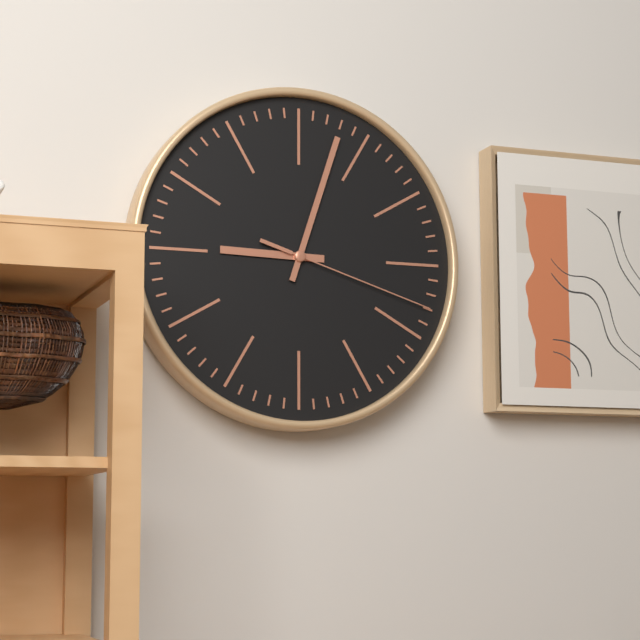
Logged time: h=9 m=3 s=18
